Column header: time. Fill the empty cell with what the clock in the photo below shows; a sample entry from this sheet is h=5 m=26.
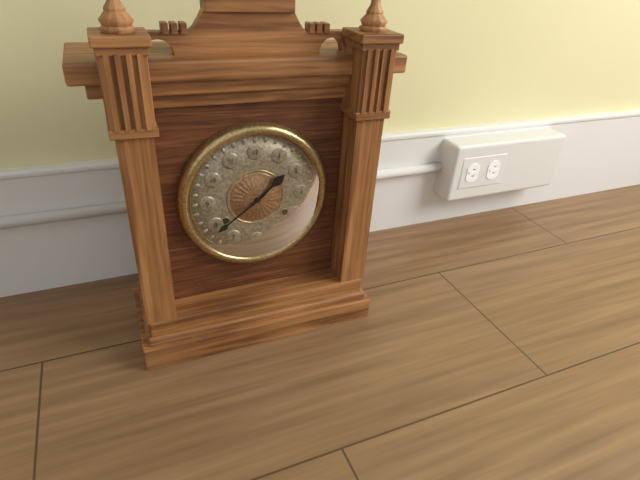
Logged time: h=1 m=39
